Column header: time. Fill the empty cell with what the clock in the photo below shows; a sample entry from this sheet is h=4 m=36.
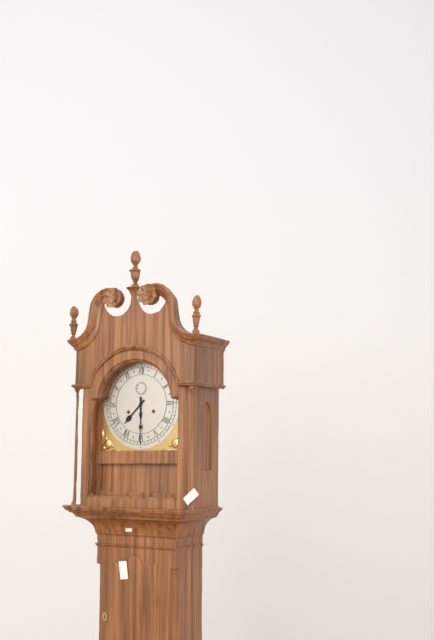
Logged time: h=7 m=30
